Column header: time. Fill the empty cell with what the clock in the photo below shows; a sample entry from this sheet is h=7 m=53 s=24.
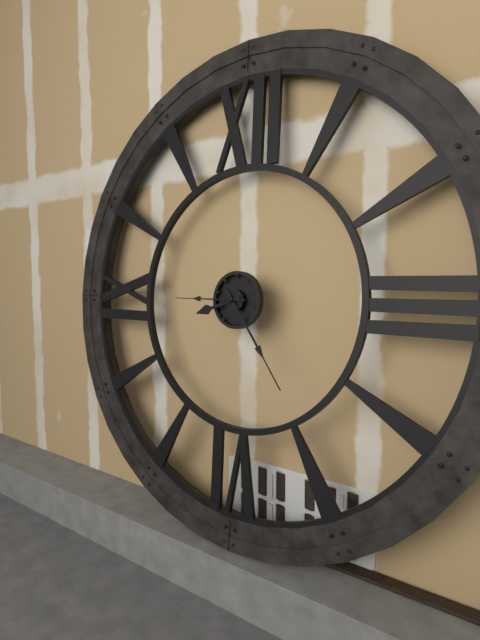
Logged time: h=8 m=24 s=45
